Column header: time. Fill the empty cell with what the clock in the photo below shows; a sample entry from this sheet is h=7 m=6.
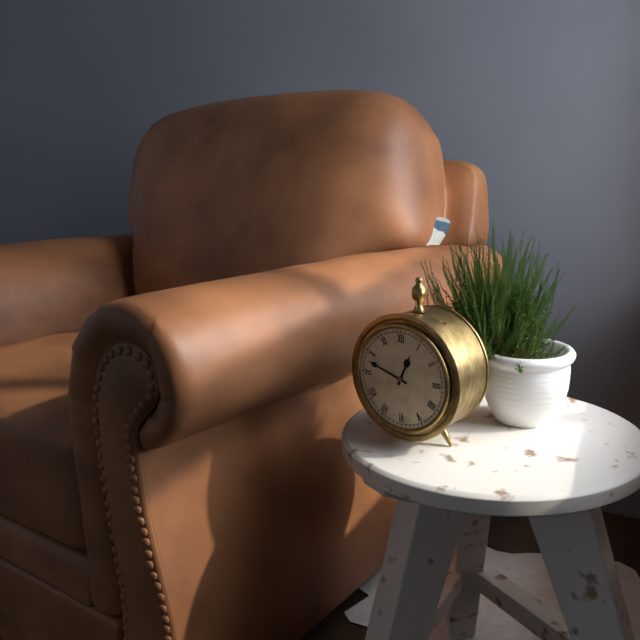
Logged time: h=12 m=48
